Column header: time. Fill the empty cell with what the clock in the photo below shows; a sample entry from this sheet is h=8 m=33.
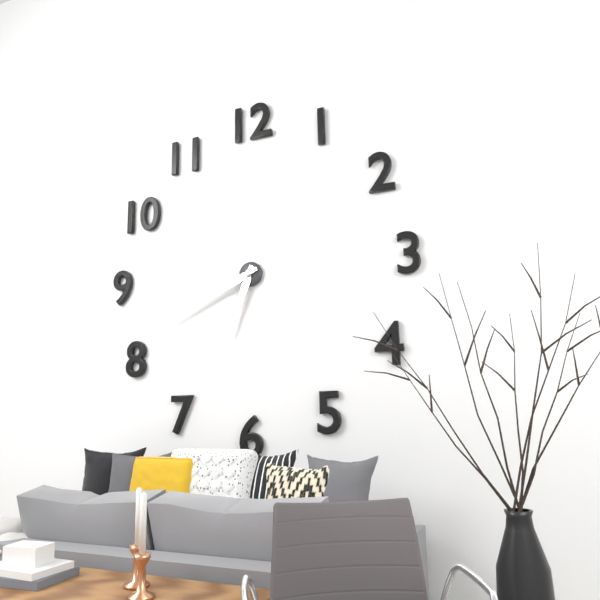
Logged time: h=6 m=41
